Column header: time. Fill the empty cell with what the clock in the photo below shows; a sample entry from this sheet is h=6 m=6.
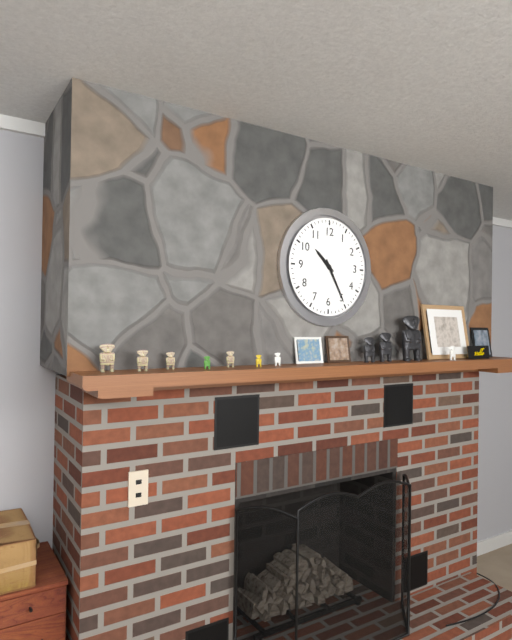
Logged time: h=10 m=25
